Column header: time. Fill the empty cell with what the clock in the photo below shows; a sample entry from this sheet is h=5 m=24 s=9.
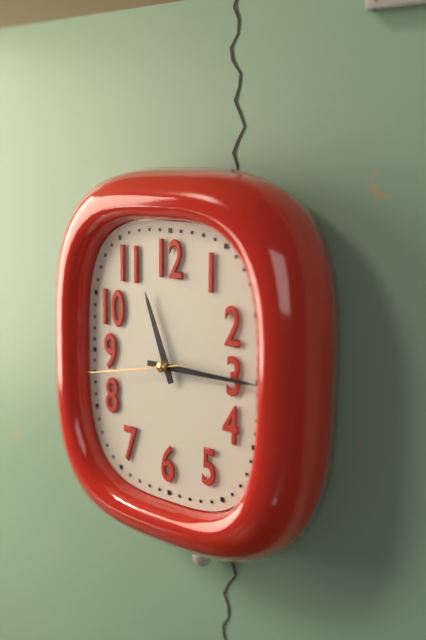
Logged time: h=11 m=15 s=43
